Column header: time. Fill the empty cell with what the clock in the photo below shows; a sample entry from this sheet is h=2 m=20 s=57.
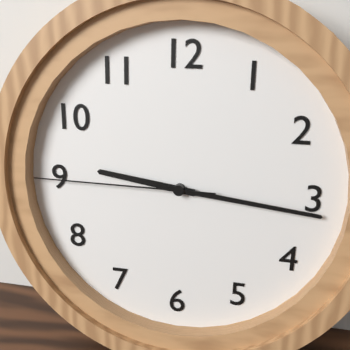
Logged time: h=9 m=16 s=45
